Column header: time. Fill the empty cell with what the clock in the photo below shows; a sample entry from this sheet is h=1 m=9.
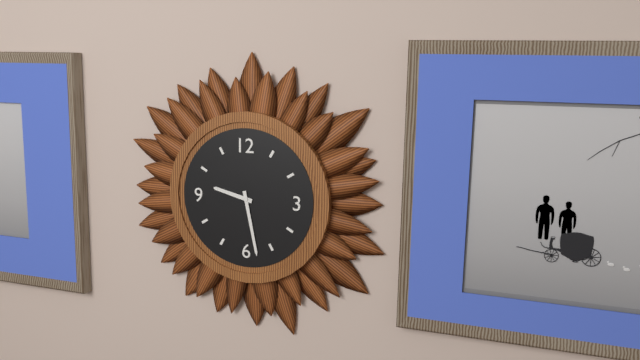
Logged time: h=9 m=28
